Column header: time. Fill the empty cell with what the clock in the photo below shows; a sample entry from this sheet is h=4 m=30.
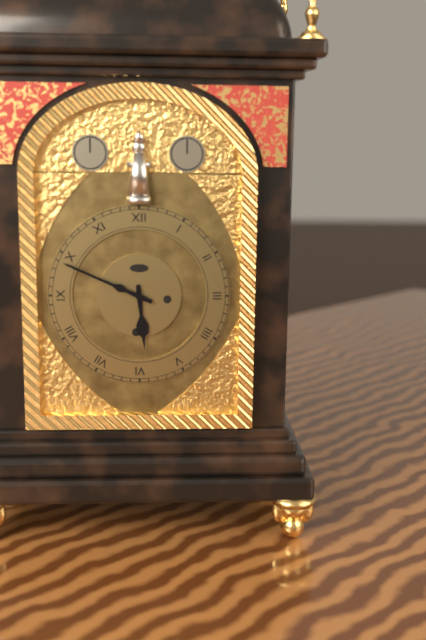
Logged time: h=5 m=49
